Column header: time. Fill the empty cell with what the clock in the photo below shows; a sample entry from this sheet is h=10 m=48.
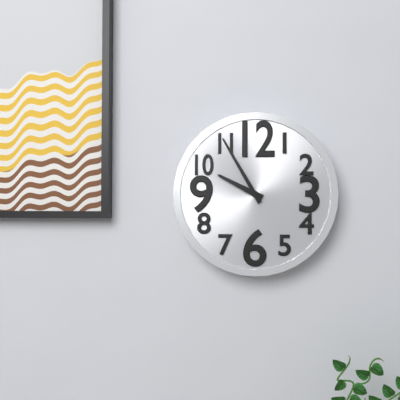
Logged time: h=9 m=55
